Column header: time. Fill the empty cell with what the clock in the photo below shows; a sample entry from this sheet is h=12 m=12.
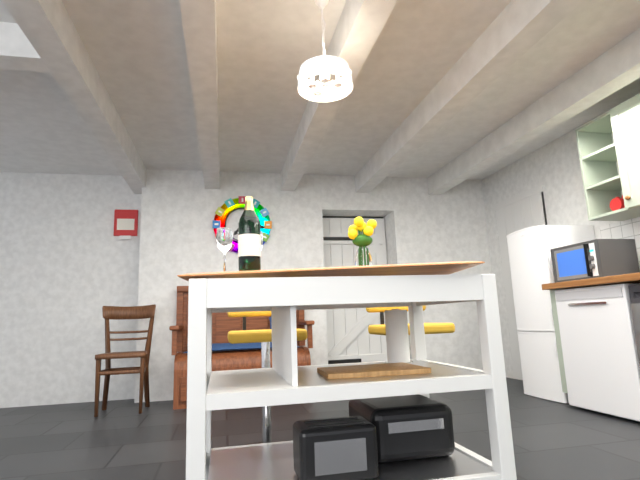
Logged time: h=7 m=16
